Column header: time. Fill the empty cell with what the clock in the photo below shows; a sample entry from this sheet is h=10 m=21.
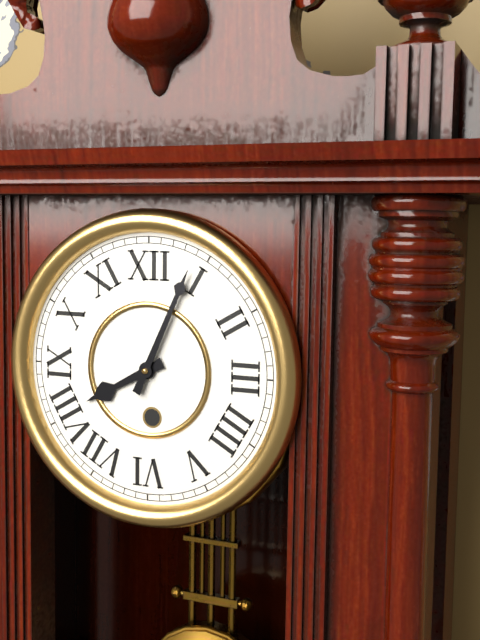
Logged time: h=8 m=4
